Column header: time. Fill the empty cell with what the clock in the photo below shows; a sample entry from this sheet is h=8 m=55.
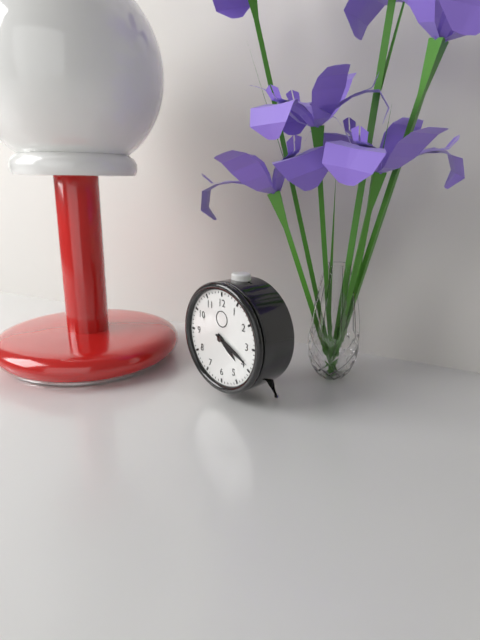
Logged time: h=4 m=19
